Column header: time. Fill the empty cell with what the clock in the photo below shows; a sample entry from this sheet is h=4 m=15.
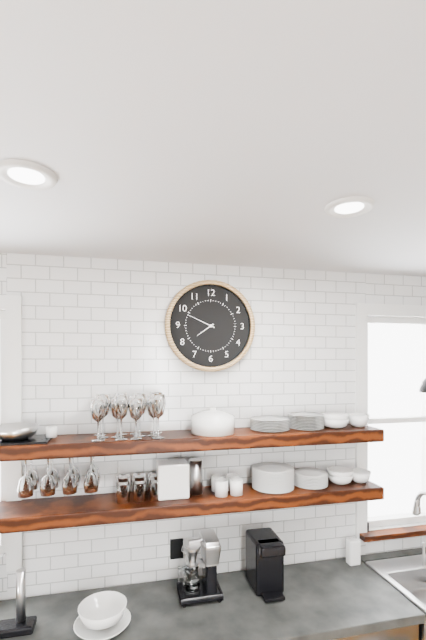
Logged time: h=7 m=49
